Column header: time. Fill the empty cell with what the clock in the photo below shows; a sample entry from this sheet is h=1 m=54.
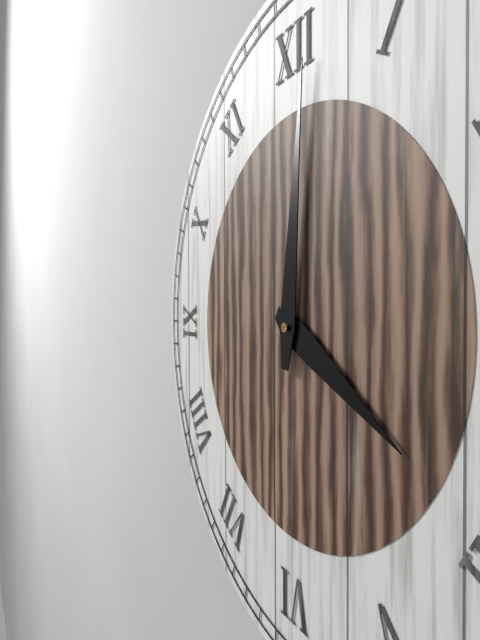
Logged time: h=4 m=1
